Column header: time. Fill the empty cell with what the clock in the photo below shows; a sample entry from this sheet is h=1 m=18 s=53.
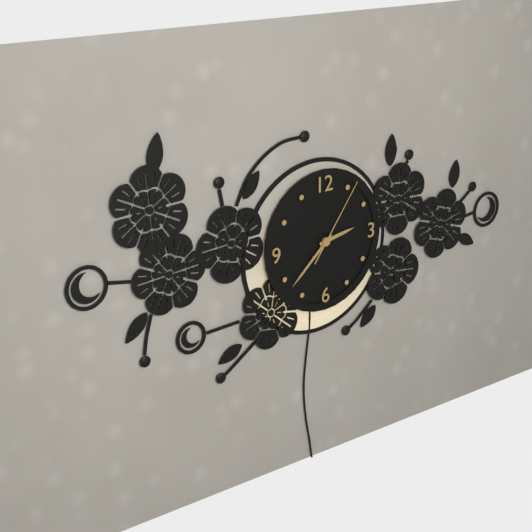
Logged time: h=2 m=38 s=6
